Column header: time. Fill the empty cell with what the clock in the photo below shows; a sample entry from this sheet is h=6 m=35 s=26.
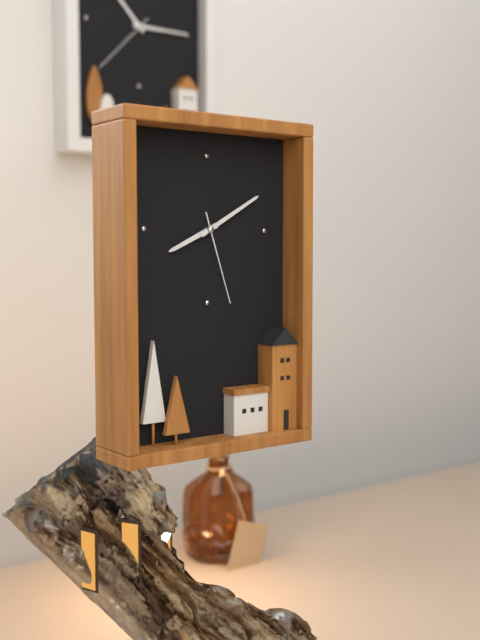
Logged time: h=8 m=10 s=27
